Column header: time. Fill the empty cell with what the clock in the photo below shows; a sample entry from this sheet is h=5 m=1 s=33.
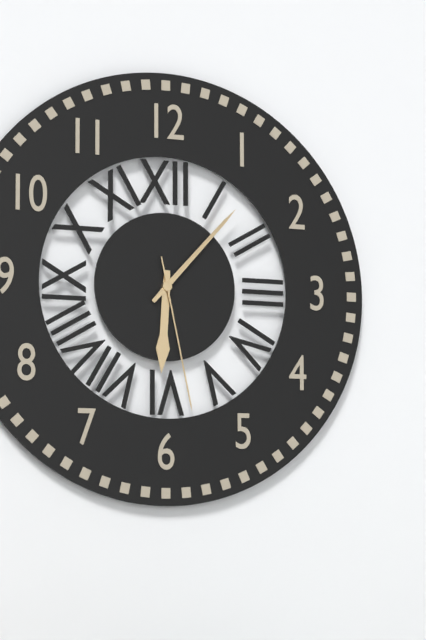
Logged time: h=6 m=7 s=28
